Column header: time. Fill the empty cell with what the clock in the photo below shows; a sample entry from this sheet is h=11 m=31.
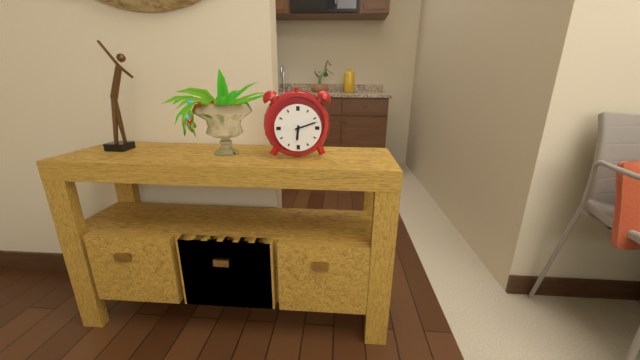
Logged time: h=6 m=12
